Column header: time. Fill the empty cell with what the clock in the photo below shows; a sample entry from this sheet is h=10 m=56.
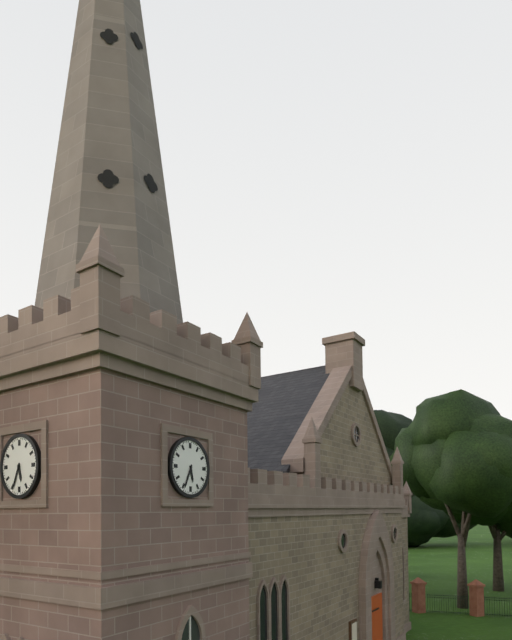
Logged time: h=5 m=34
